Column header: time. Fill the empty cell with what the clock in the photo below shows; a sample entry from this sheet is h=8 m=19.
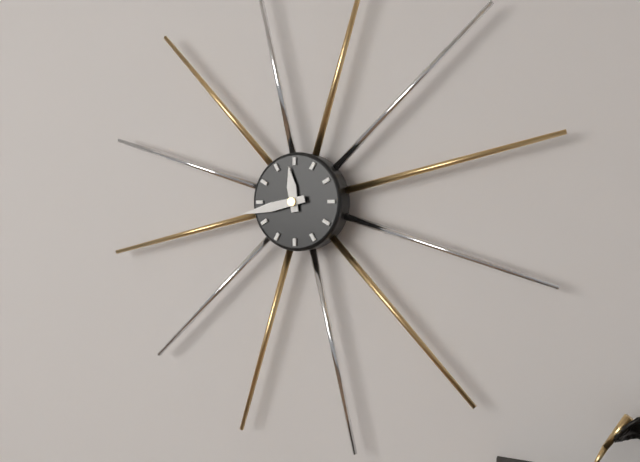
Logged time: h=11 m=43
